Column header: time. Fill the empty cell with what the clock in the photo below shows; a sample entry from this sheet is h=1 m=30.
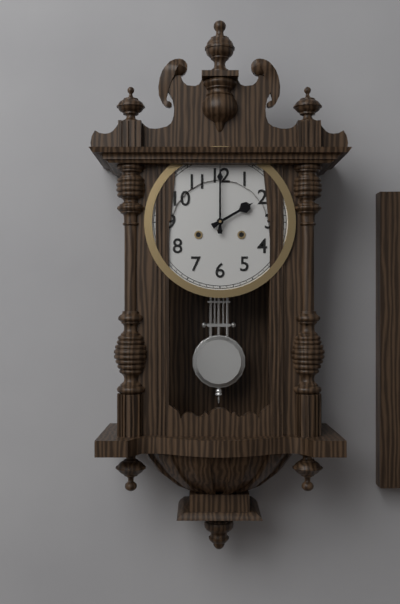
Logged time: h=2 m=0
